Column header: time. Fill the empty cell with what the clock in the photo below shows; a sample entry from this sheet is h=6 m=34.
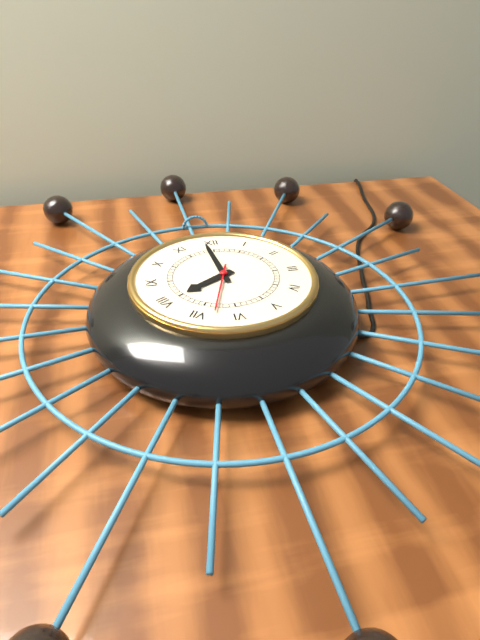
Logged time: h=7 m=59
